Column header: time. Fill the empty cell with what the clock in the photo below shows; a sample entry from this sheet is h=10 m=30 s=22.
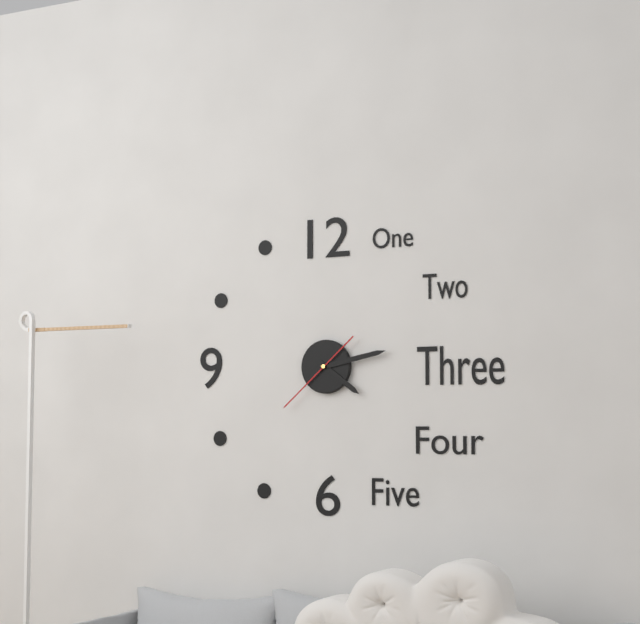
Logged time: h=4 m=13 s=38
